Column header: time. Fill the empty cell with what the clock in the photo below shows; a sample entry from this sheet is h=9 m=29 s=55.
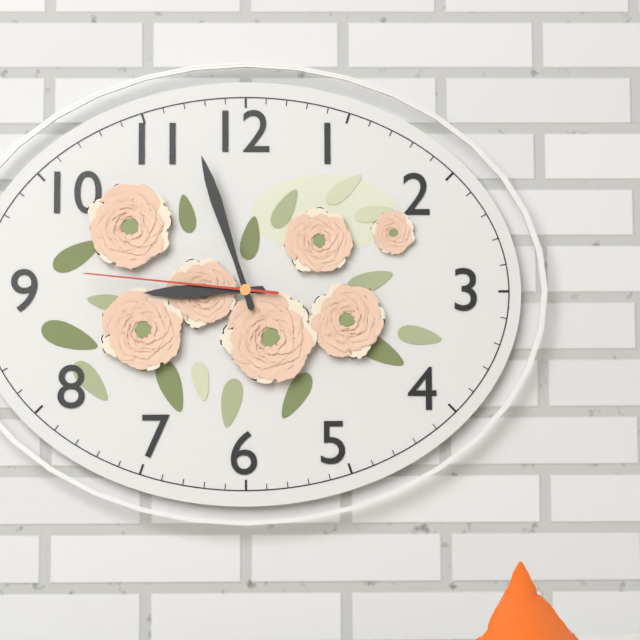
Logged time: h=8 m=57 s=46
